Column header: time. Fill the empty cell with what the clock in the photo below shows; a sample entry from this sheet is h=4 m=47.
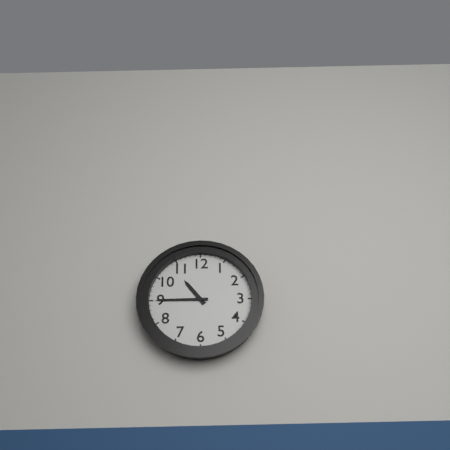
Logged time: h=10 m=45
